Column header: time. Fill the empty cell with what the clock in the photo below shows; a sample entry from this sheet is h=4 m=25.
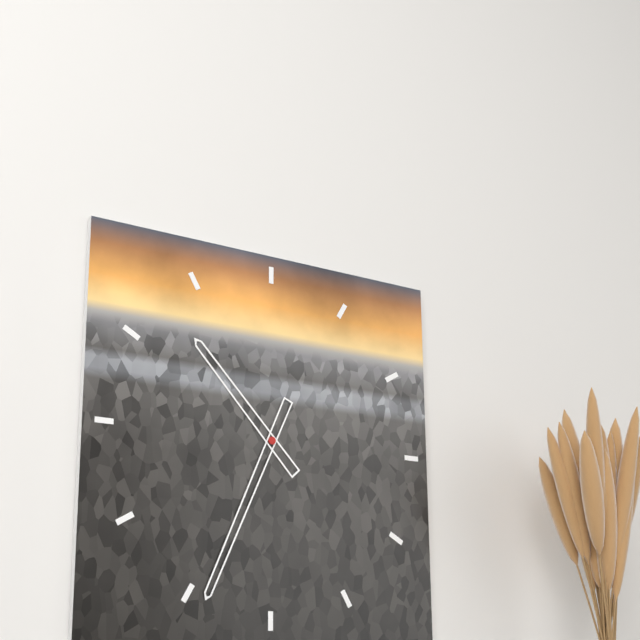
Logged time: h=10 m=34
